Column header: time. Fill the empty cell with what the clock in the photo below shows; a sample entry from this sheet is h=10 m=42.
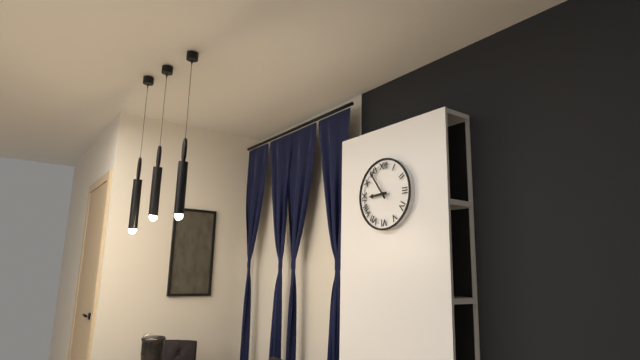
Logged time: h=8 m=54
